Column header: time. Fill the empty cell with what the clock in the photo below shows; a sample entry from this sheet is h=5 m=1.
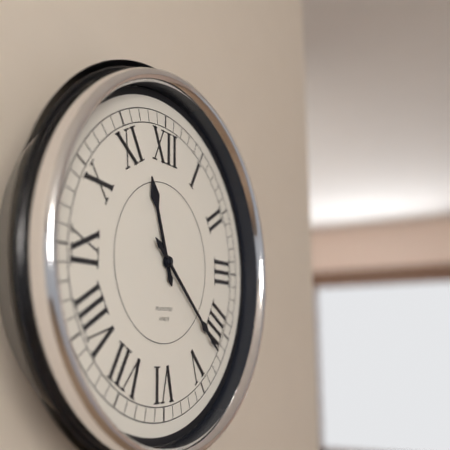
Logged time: h=11 m=22
